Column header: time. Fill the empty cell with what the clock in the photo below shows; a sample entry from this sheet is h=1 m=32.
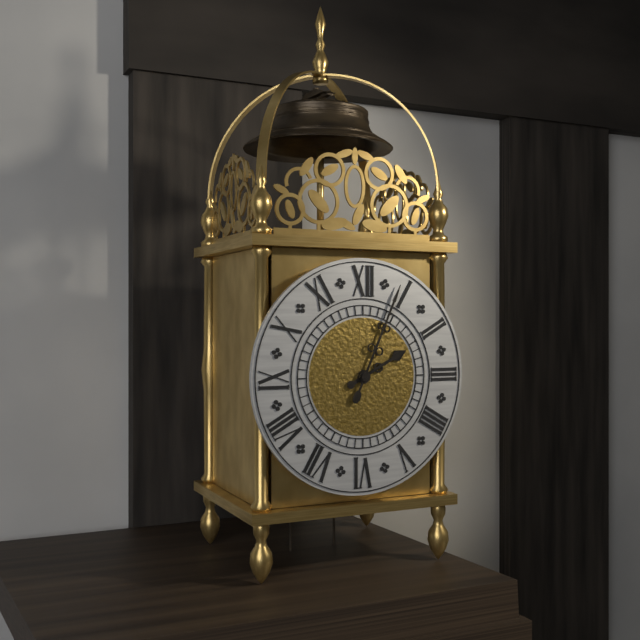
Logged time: h=2 m=4
